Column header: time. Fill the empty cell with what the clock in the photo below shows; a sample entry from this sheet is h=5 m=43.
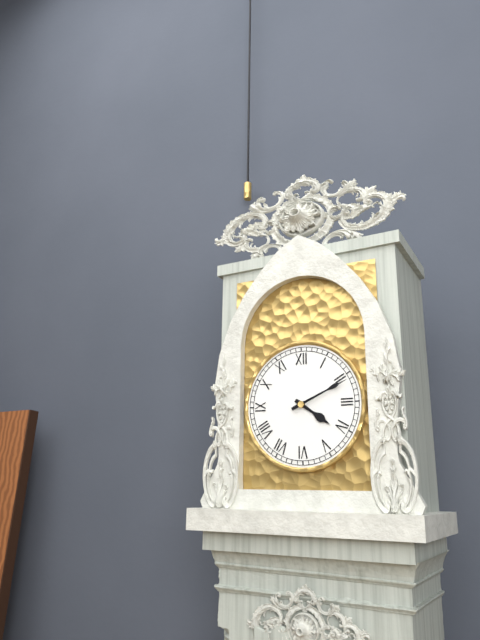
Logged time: h=4 m=11
